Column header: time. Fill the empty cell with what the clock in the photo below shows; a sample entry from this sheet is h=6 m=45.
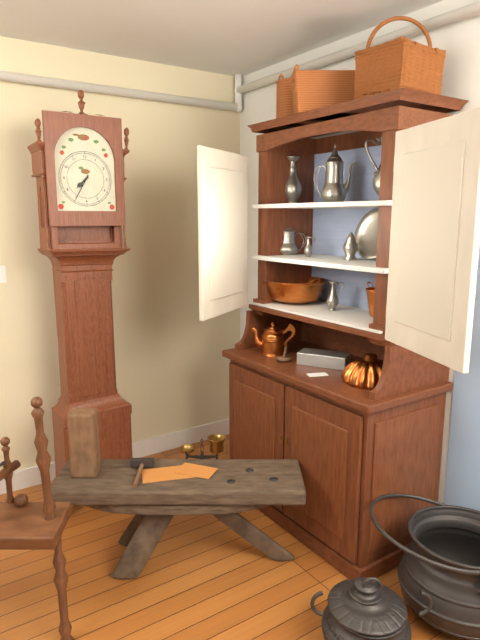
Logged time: h=7 m=35
